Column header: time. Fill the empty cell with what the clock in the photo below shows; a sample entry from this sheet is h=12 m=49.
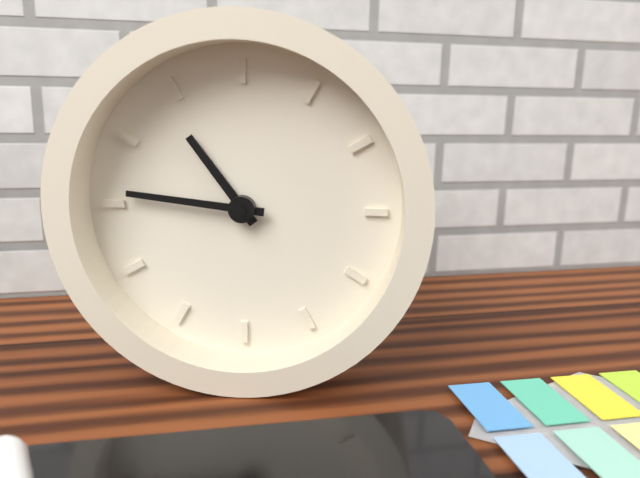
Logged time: h=10 m=46
